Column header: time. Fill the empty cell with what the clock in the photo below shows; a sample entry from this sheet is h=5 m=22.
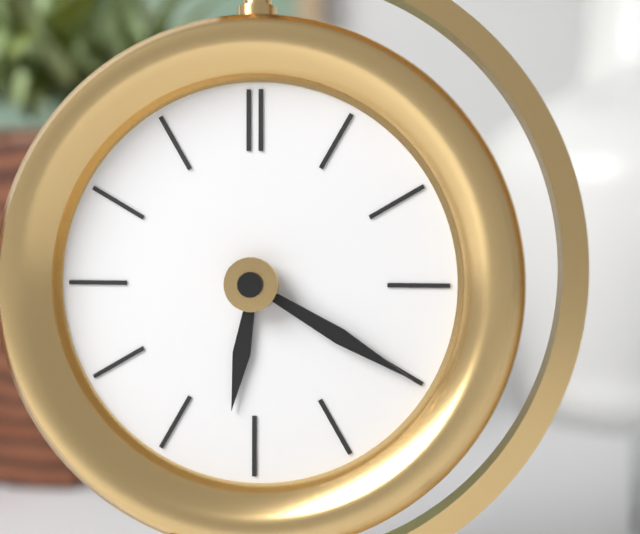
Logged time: h=6 m=20
